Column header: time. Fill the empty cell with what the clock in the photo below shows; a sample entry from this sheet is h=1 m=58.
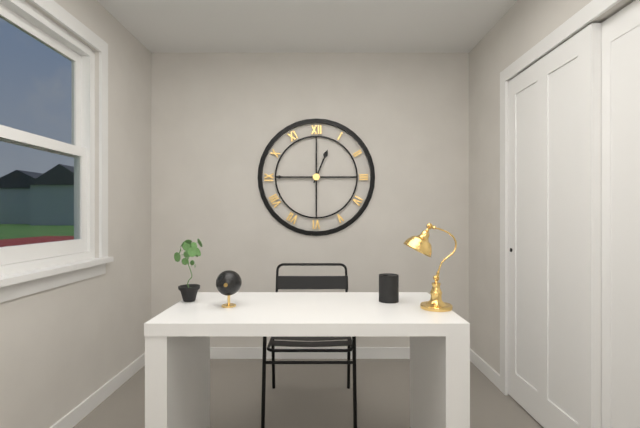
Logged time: h=12 m=45
